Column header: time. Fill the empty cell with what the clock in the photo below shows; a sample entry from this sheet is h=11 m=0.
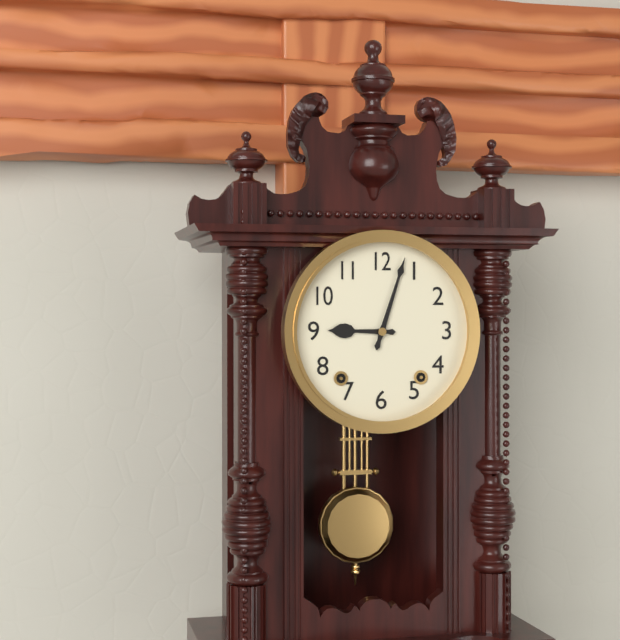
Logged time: h=9 m=3
